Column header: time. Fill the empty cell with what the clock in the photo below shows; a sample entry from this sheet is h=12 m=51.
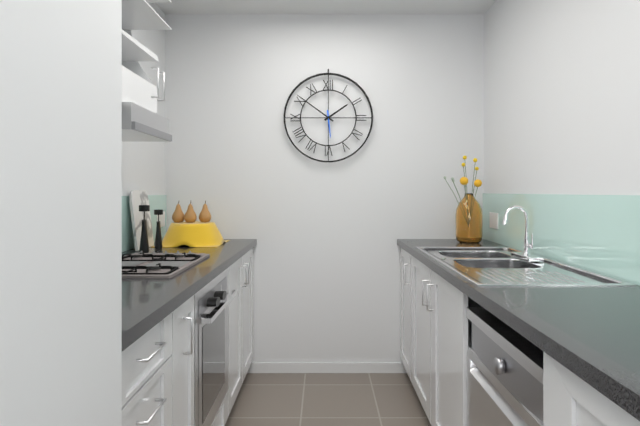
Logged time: h=1 m=51
